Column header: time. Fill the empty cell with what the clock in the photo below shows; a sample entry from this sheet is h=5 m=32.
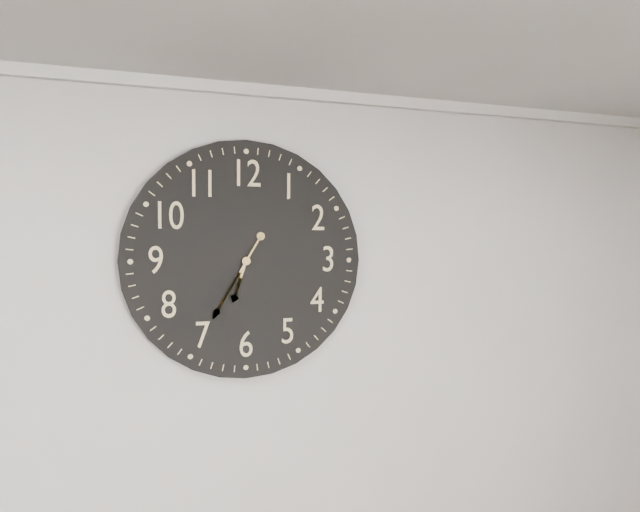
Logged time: h=6 m=35
